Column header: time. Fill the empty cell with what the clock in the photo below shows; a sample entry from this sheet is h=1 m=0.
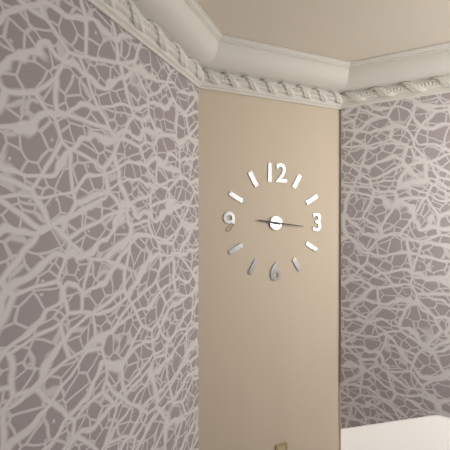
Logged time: h=9 m=16
